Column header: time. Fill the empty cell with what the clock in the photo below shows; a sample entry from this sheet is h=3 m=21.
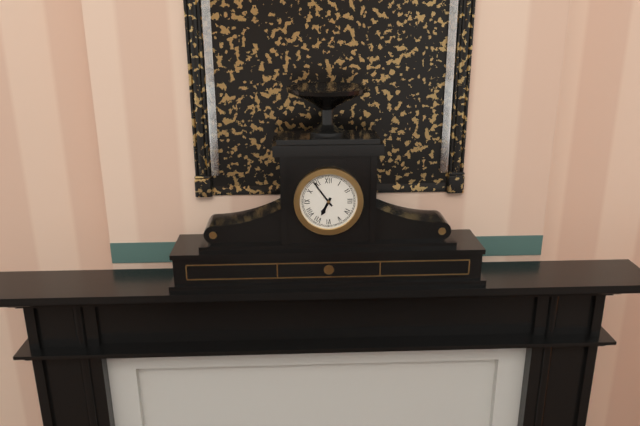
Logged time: h=6 m=54
